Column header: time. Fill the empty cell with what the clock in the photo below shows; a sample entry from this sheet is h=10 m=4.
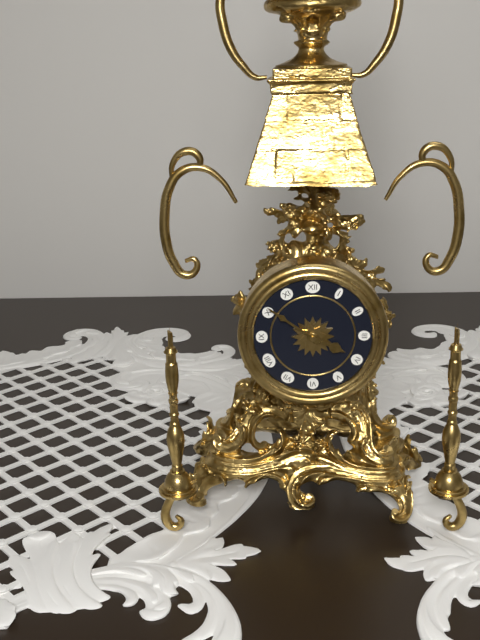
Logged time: h=3 m=51
